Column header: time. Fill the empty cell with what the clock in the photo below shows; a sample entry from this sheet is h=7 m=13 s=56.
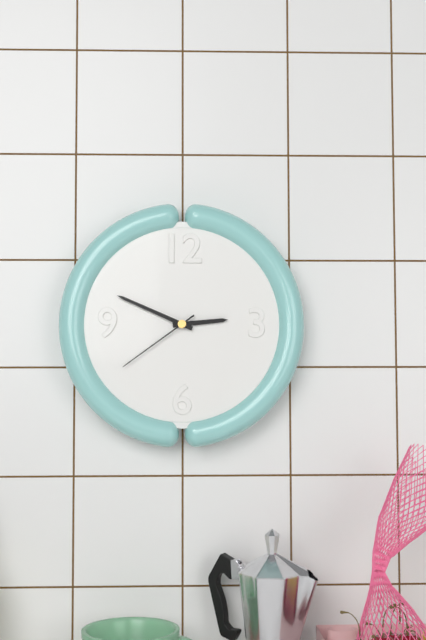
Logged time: h=2 m=49 s=39
